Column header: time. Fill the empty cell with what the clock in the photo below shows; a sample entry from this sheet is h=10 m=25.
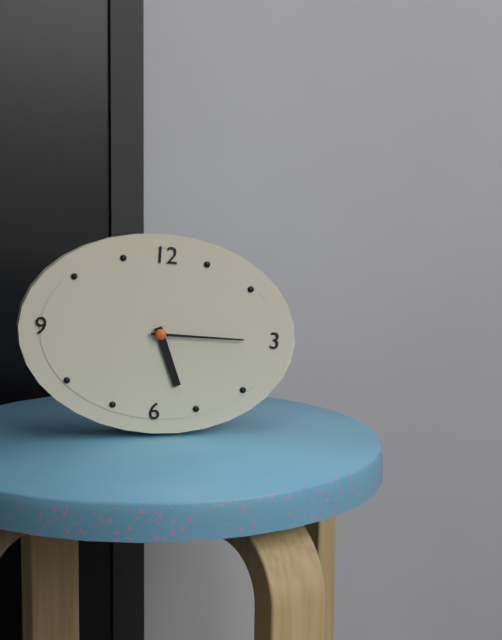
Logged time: h=5 m=15
